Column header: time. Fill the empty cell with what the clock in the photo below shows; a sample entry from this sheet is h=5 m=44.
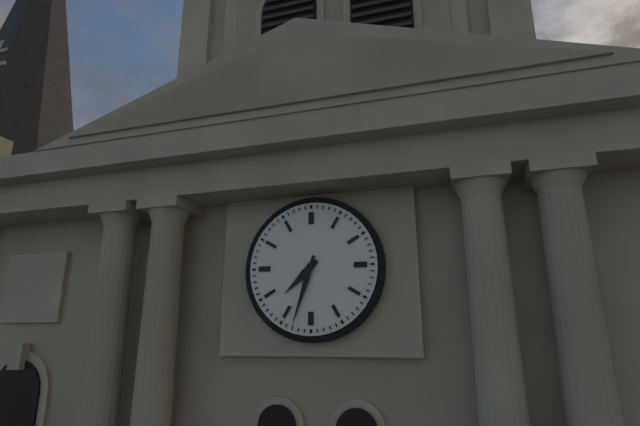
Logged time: h=7 m=33
